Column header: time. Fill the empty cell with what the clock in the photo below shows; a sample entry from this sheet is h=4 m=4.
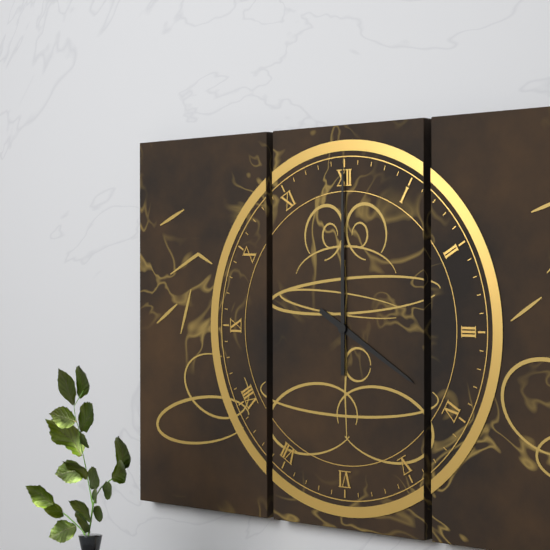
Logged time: h=4 m=0
